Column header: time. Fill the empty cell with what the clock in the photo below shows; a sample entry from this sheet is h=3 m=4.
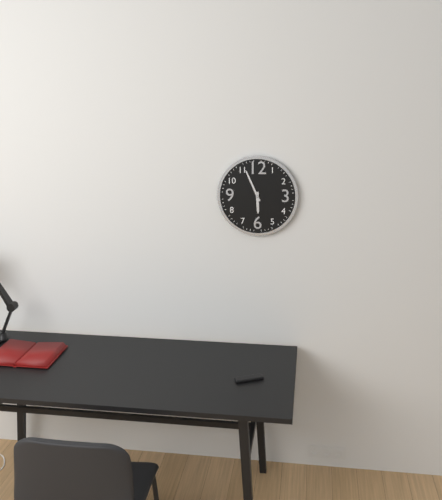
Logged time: h=5 m=56
